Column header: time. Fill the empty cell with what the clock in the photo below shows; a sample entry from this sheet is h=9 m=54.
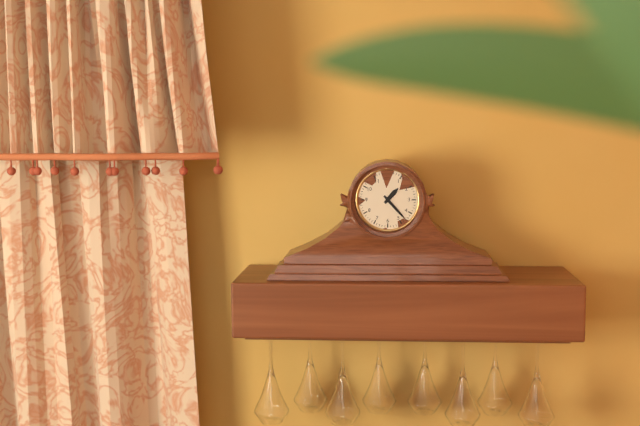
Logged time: h=1 m=23
